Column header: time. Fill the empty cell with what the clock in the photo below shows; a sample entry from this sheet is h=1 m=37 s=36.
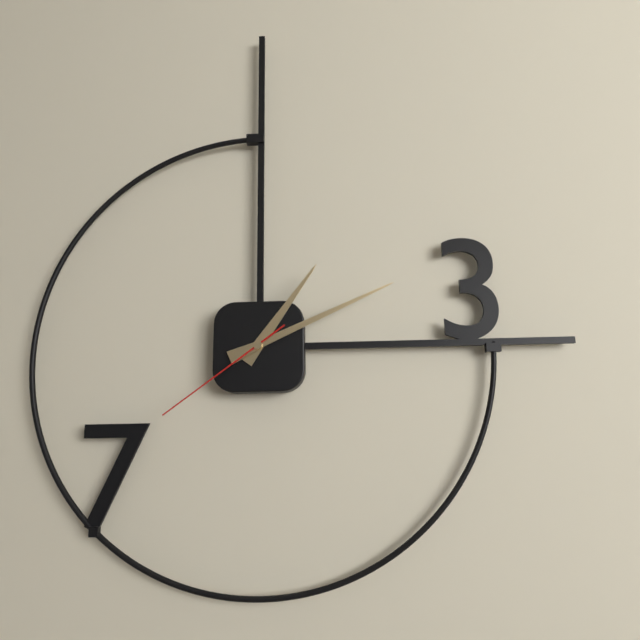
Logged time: h=1 m=11 s=39
